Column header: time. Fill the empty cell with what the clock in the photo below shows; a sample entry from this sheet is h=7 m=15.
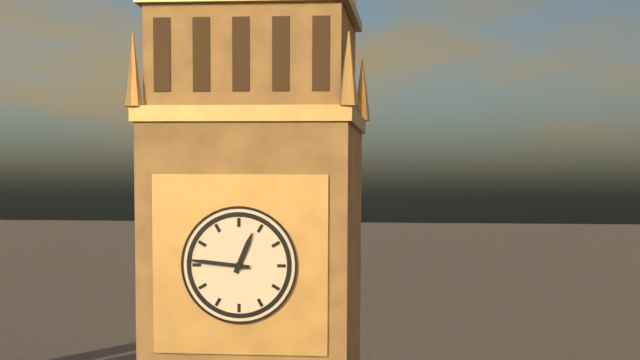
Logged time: h=12 m=46
